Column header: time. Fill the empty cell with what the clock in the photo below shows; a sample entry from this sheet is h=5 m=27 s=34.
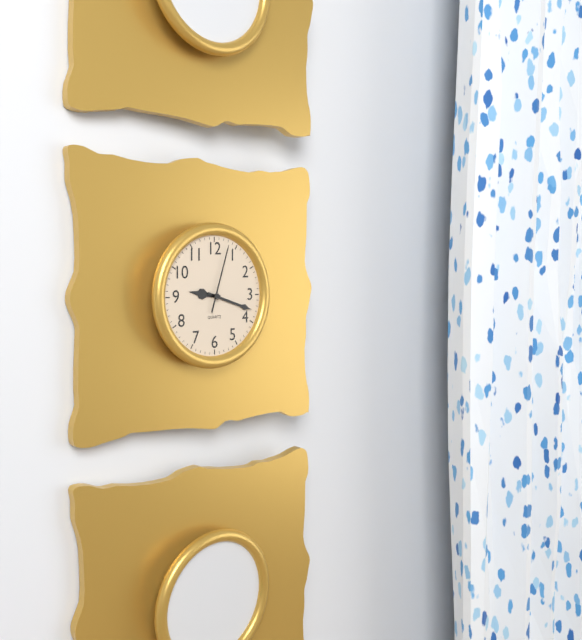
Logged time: h=9 m=18 s=3
